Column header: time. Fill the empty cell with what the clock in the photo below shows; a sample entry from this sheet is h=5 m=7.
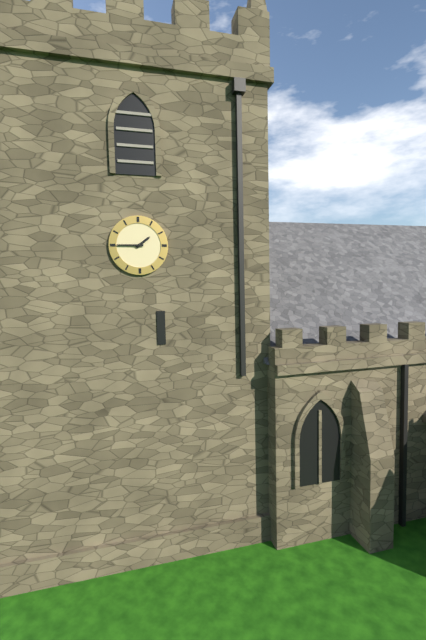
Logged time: h=1 m=45
